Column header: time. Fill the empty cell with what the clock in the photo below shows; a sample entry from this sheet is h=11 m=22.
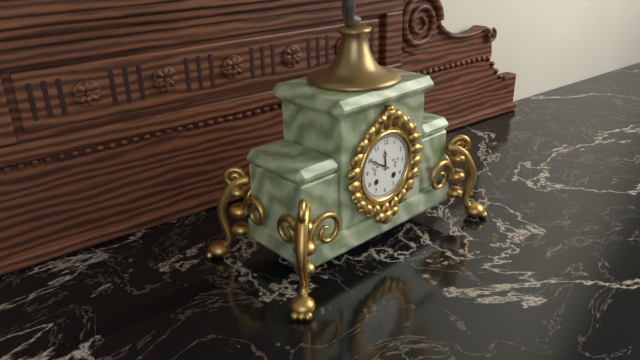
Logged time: h=11 m=50
